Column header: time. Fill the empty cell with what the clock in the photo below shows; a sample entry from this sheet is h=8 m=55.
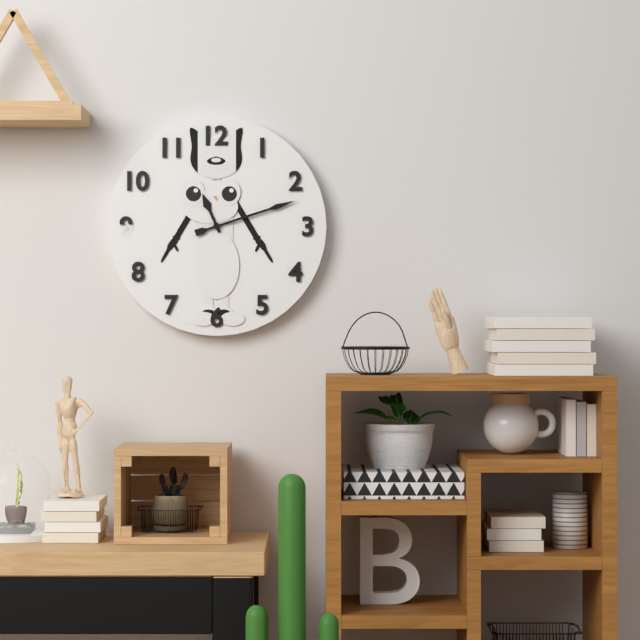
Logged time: h=11 m=12
